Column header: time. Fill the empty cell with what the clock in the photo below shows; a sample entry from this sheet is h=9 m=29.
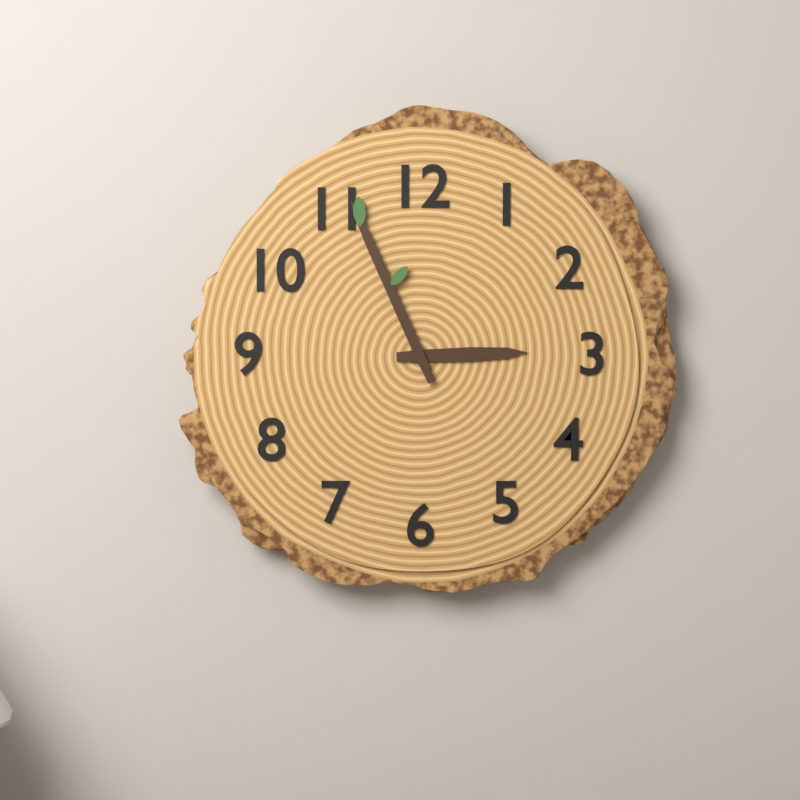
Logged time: h=2 m=56
